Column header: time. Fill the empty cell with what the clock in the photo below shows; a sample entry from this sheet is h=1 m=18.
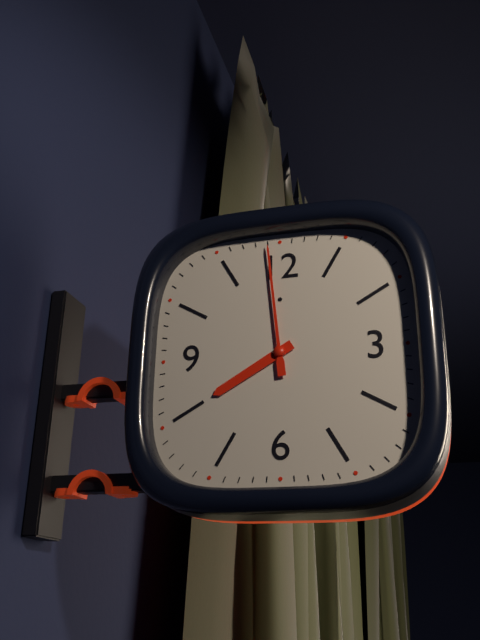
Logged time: h=7 m=59
